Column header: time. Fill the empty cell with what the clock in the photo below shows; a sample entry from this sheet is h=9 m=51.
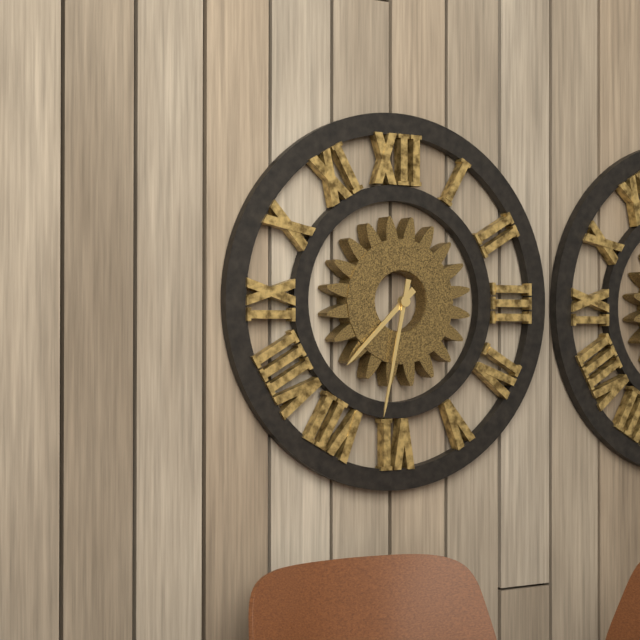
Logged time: h=7 m=32
